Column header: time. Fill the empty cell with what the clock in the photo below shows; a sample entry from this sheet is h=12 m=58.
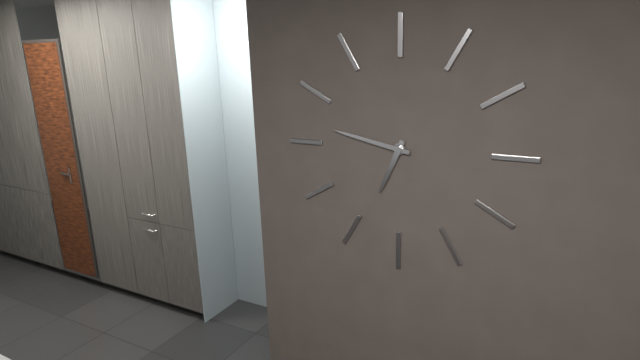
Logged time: h=6 m=47
